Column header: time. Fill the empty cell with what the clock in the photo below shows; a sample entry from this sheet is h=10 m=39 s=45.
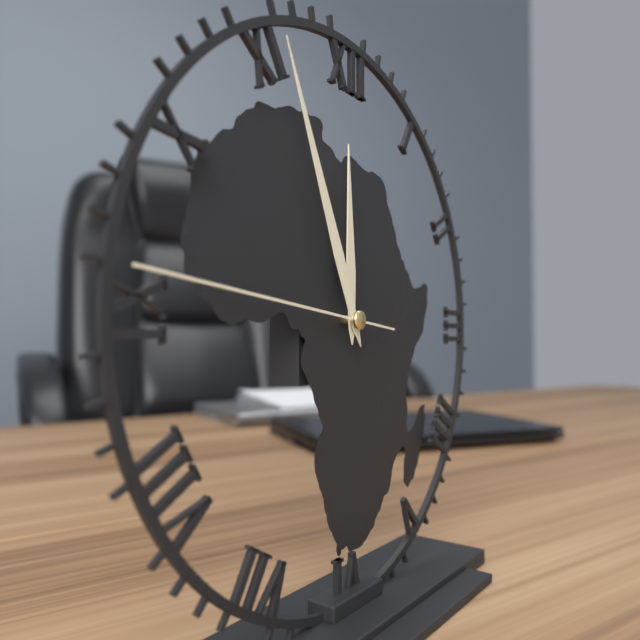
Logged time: h=11 m=56 s=46
